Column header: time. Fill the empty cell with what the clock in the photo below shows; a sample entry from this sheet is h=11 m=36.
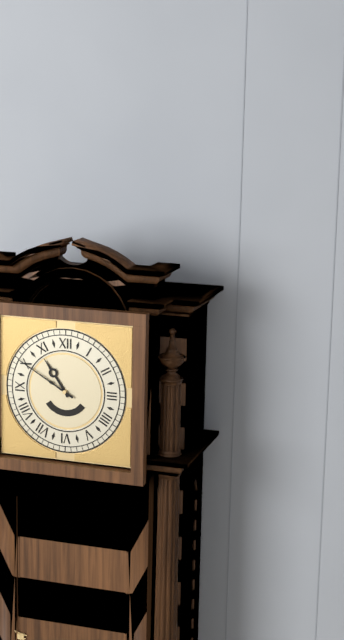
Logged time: h=10 m=50
